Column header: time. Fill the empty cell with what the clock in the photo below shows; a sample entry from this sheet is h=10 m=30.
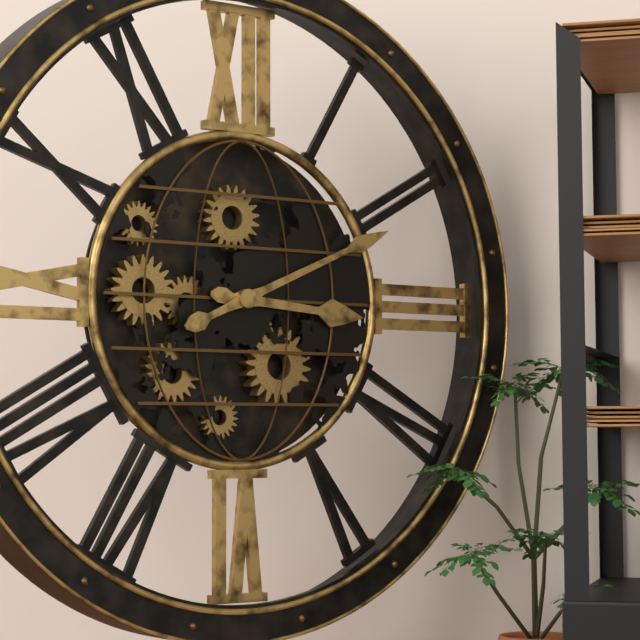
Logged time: h=3 m=11
